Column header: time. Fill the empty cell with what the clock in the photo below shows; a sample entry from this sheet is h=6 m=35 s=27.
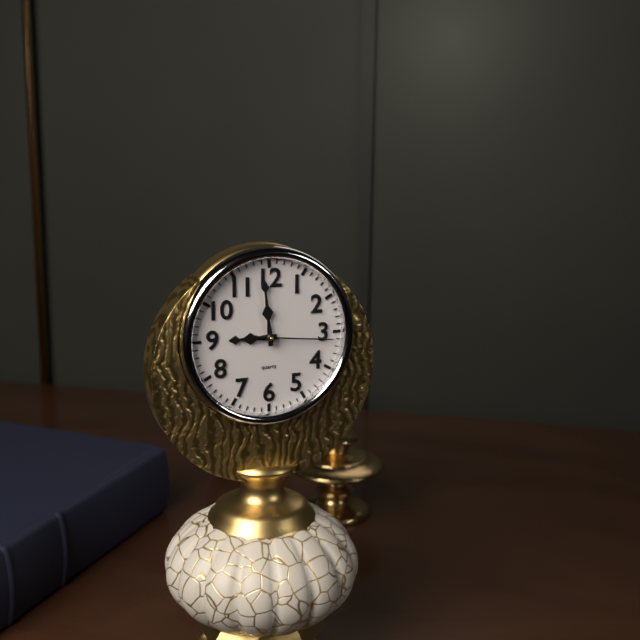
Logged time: h=8 m=59 s=16
